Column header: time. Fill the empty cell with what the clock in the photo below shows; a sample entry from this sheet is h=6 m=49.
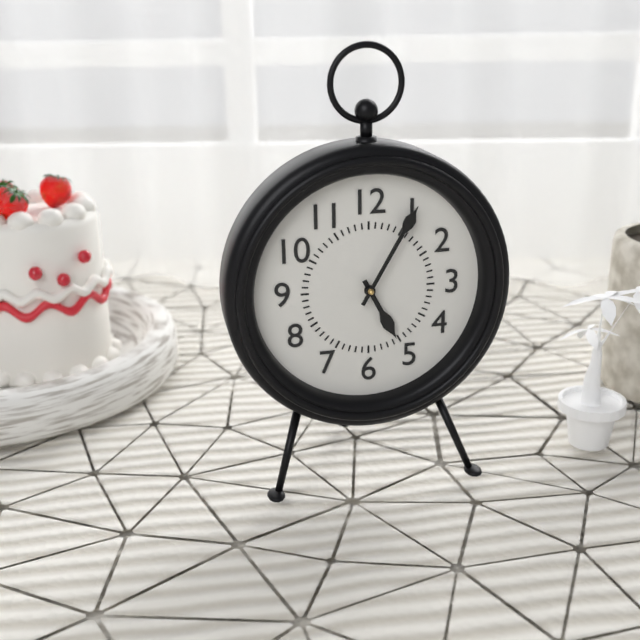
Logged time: h=5 m=5
